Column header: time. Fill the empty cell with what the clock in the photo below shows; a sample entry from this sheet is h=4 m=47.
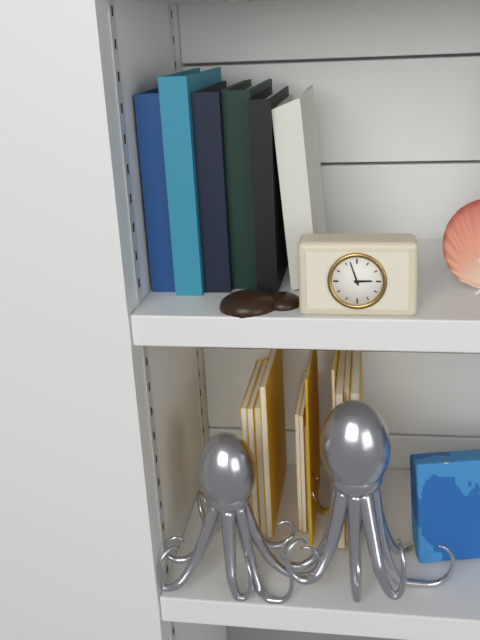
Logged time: h=2 m=57
